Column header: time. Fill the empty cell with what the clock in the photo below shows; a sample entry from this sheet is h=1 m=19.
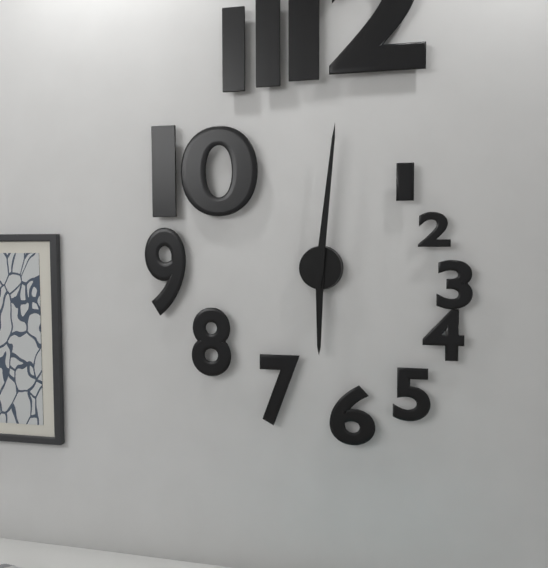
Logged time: h=6 m=1
